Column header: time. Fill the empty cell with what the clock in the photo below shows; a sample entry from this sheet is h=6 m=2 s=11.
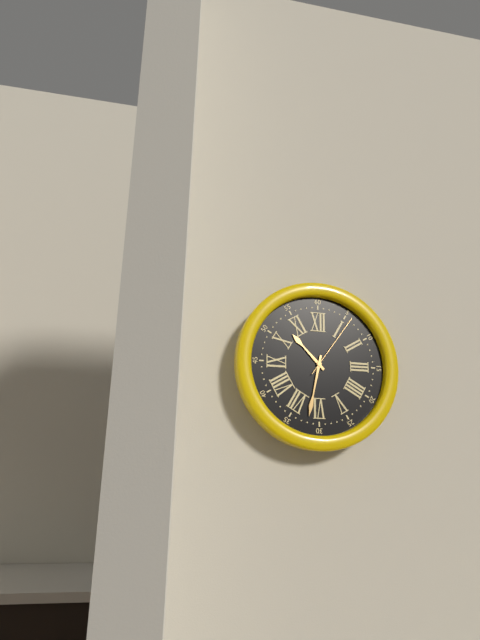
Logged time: h=10 m=32 s=6
